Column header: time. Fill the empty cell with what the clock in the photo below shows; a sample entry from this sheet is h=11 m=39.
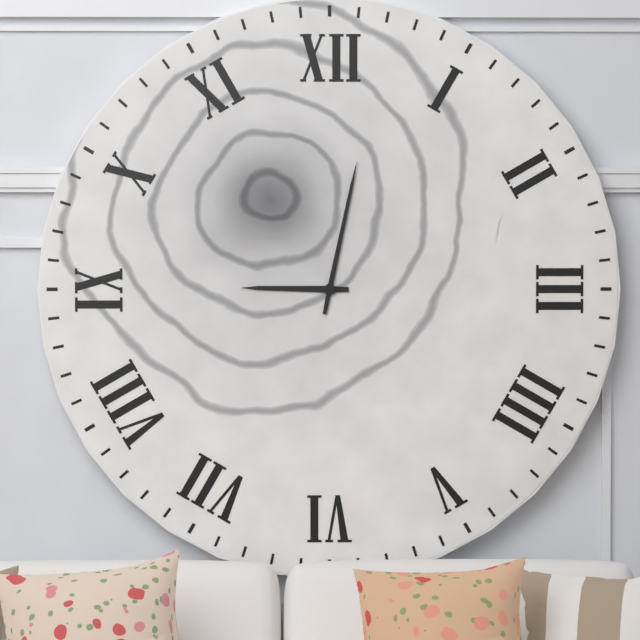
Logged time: h=9 m=2
